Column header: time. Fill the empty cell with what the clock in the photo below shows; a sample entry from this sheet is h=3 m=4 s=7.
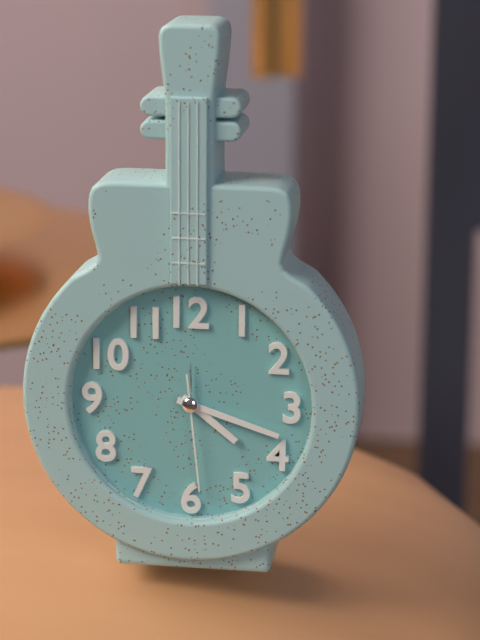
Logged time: h=4 m=18 s=29
